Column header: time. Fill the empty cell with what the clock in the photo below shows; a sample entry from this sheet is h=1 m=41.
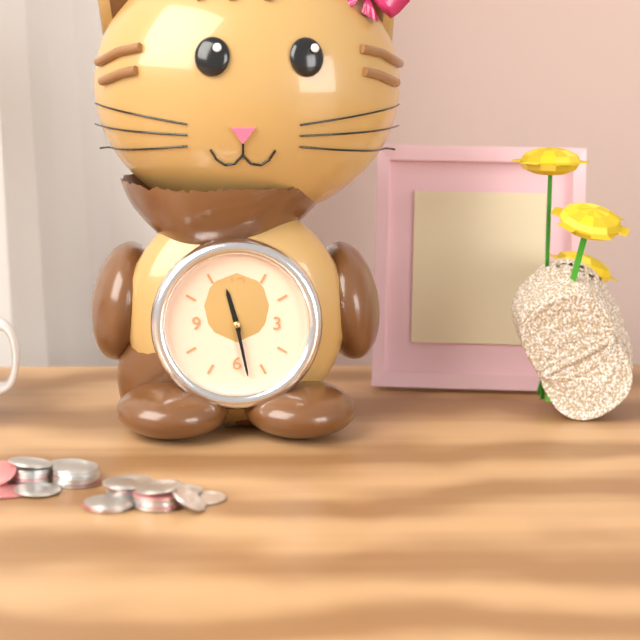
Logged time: h=11 m=28
